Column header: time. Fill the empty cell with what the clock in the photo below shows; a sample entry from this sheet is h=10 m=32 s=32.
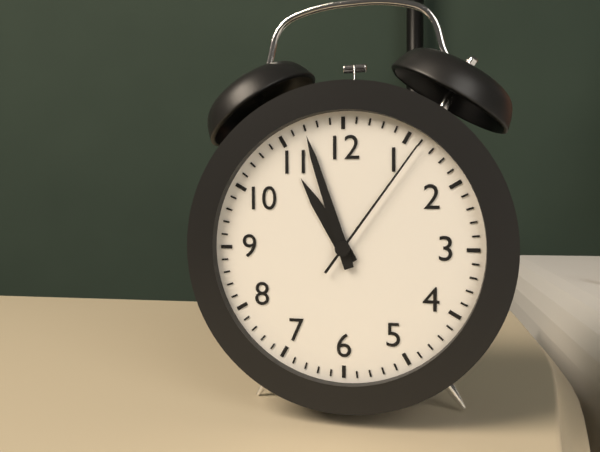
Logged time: h=10 m=57 s=6
